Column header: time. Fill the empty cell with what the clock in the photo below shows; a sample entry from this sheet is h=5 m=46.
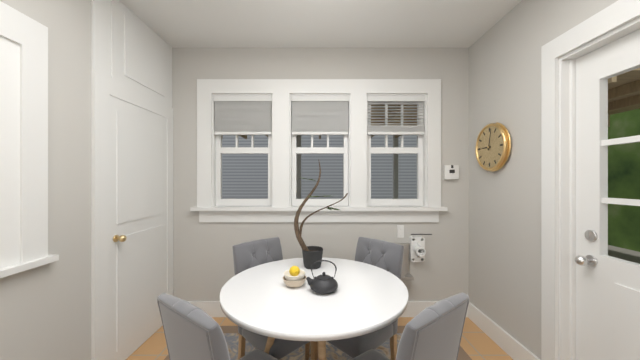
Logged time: h=9 m=2
